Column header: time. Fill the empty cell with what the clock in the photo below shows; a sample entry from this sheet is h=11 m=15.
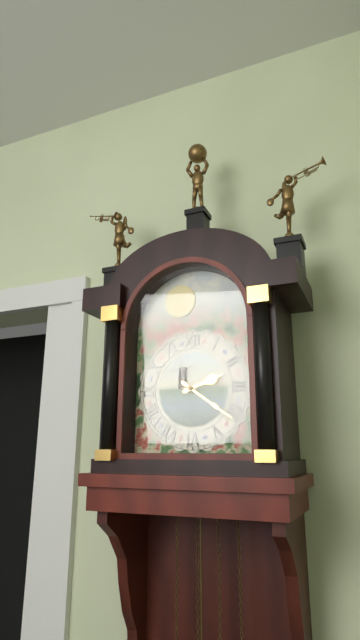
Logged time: h=2 m=21
